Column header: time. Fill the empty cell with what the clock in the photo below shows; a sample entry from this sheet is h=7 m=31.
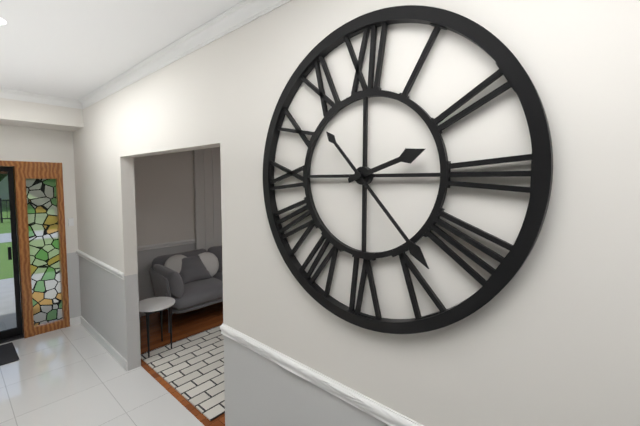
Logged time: h=2 m=23
